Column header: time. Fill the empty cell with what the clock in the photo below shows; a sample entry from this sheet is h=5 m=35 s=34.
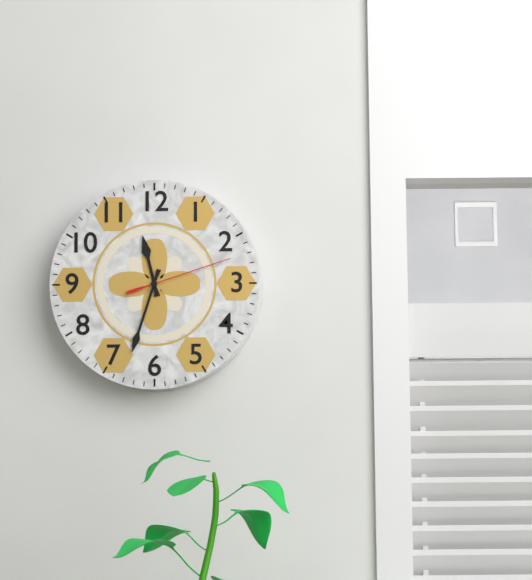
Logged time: h=11 m=33 s=12
